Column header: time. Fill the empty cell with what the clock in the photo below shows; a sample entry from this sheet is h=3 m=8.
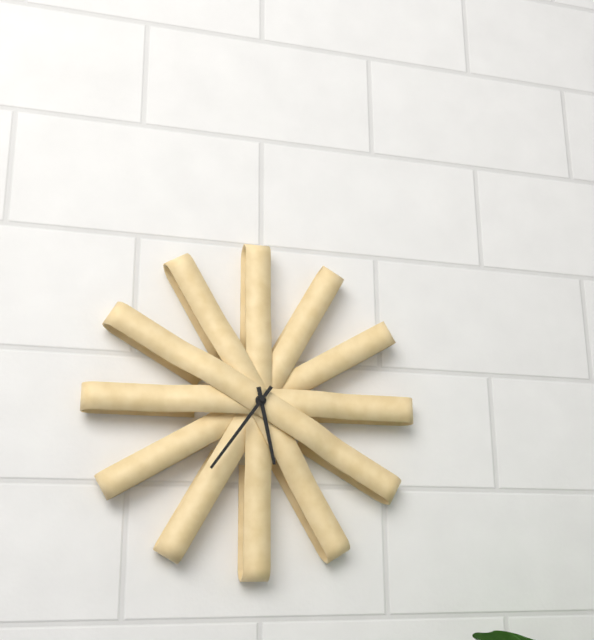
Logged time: h=5 m=36
